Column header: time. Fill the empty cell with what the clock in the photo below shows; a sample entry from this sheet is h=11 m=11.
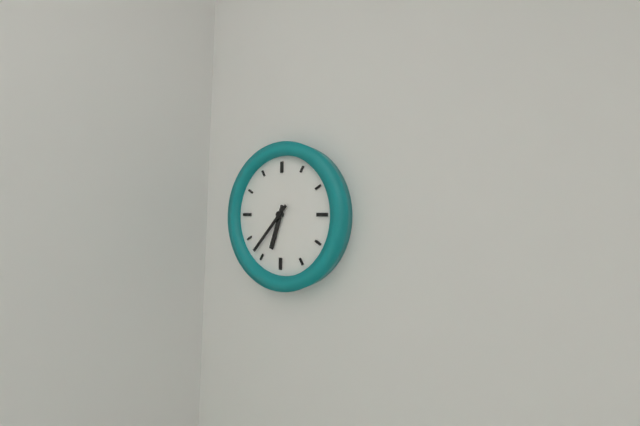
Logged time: h=6 m=37
